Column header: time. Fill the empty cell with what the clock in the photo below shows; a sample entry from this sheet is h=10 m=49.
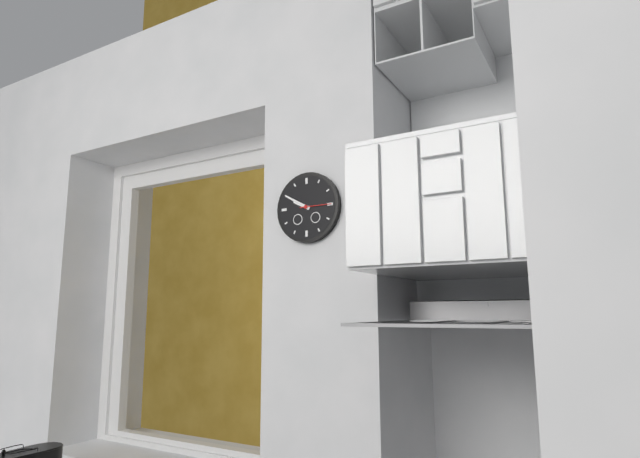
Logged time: h=9 m=50
